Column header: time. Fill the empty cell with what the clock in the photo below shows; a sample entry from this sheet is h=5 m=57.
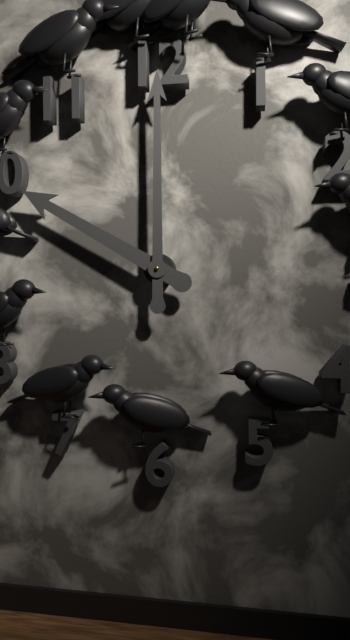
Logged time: h=10 m=0
